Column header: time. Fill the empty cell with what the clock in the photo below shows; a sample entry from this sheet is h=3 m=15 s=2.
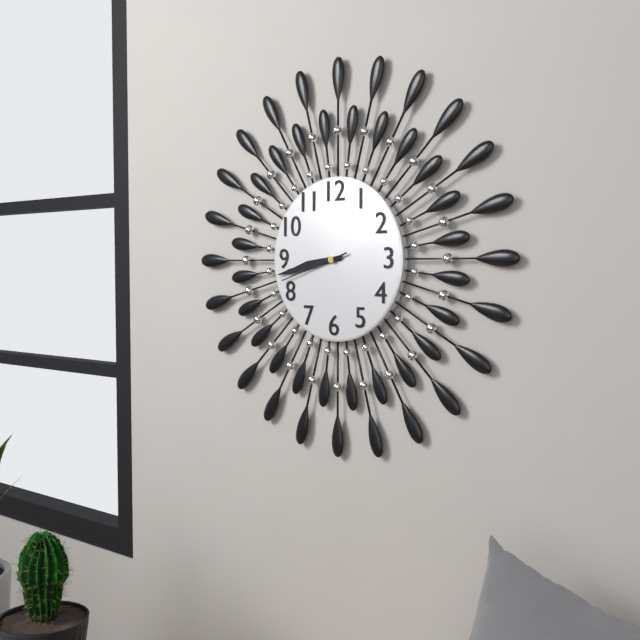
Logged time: h=8 m=43 s=42
